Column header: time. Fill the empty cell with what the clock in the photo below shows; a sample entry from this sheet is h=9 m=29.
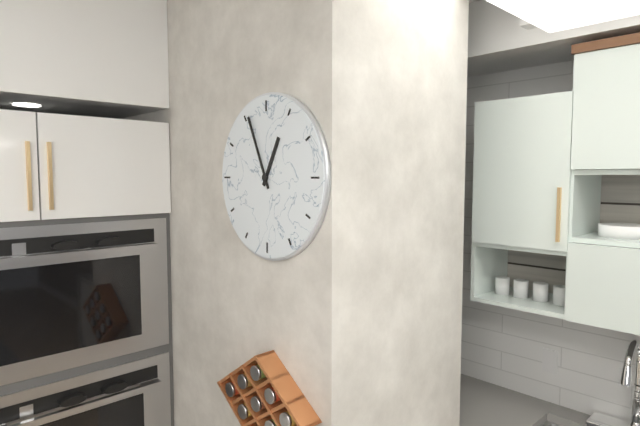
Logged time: h=12 m=56
